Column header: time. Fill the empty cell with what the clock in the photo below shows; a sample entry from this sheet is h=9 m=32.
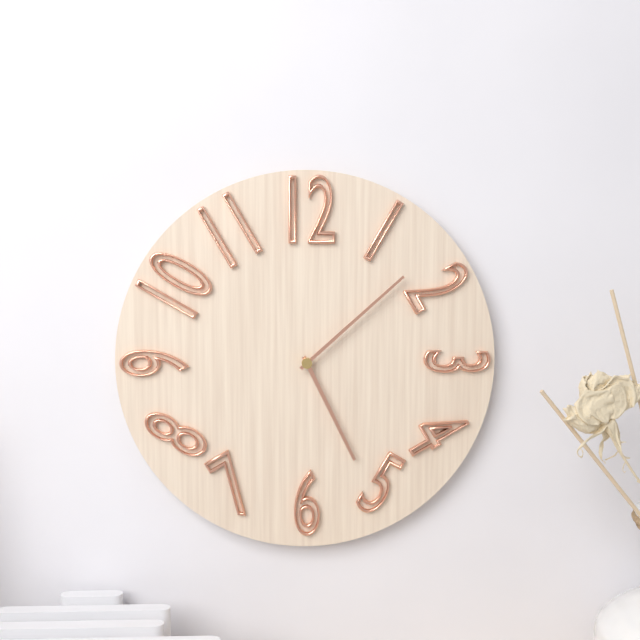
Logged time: h=5 m=8
